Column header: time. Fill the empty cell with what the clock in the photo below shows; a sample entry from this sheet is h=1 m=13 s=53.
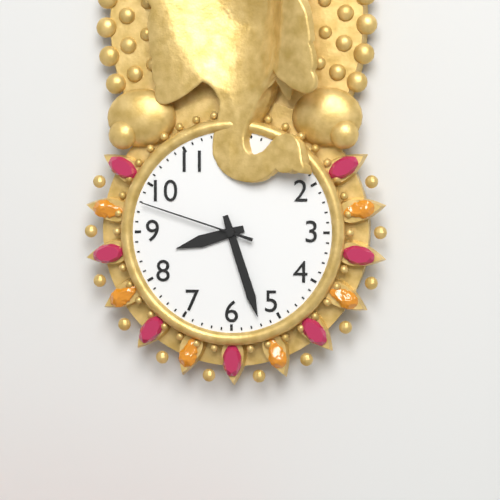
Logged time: h=8 m=27 s=48
